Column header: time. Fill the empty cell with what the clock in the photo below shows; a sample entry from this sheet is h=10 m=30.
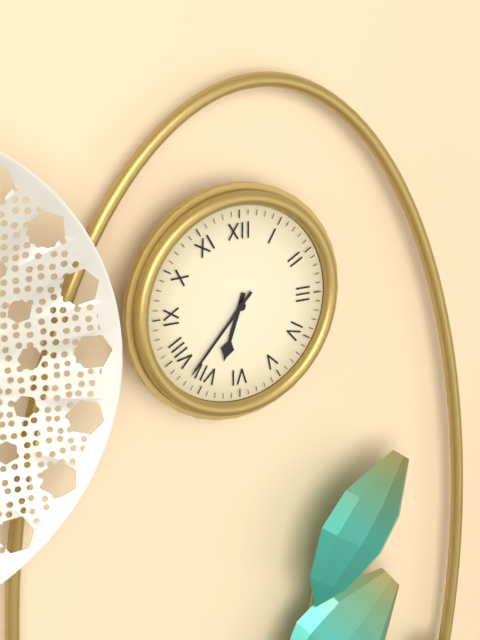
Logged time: h=6 m=37
